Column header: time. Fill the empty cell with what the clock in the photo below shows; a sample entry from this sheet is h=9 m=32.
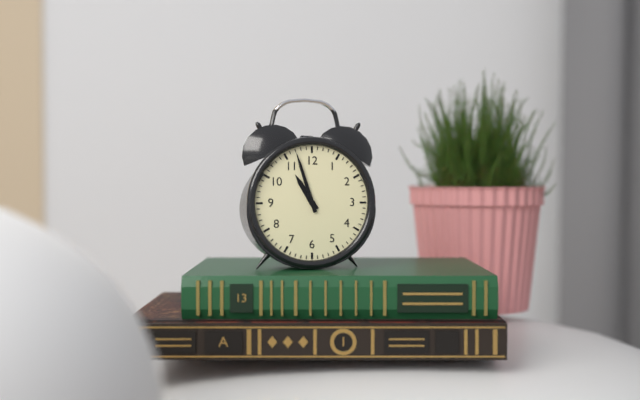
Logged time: h=10 m=57
